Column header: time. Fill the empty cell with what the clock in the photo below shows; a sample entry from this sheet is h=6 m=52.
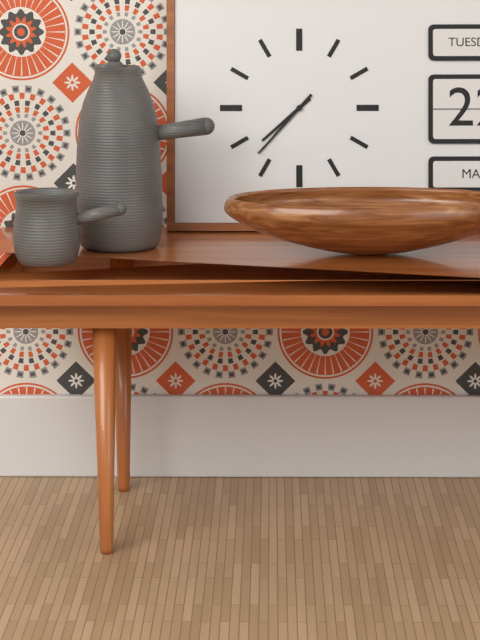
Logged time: h=7 m=37
